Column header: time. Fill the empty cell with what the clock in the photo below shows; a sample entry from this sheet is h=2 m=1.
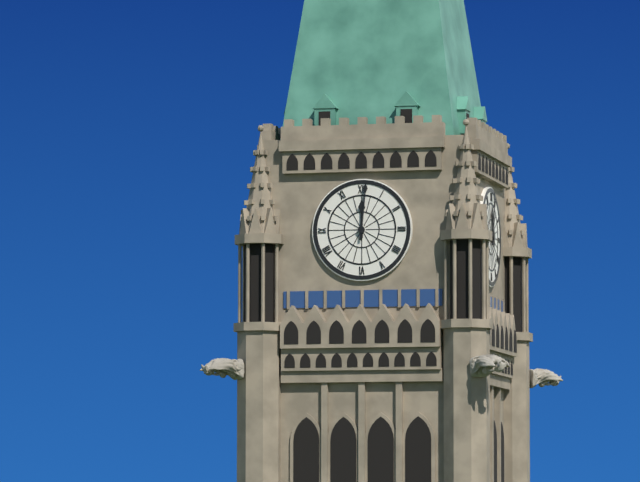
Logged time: h=12 m=1
